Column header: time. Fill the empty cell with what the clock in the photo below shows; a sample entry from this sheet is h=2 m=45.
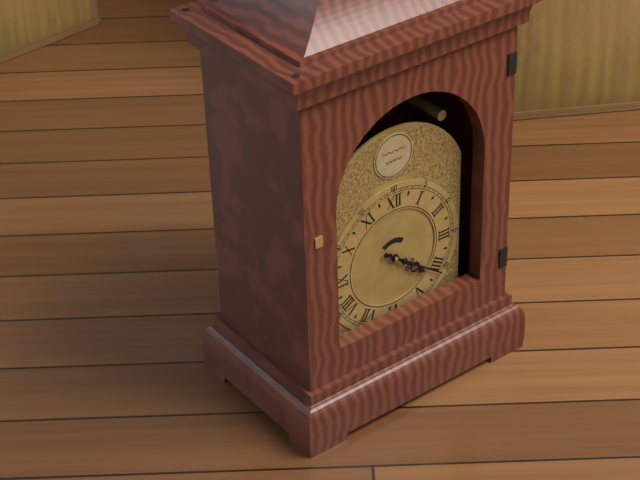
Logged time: h=4 m=21
